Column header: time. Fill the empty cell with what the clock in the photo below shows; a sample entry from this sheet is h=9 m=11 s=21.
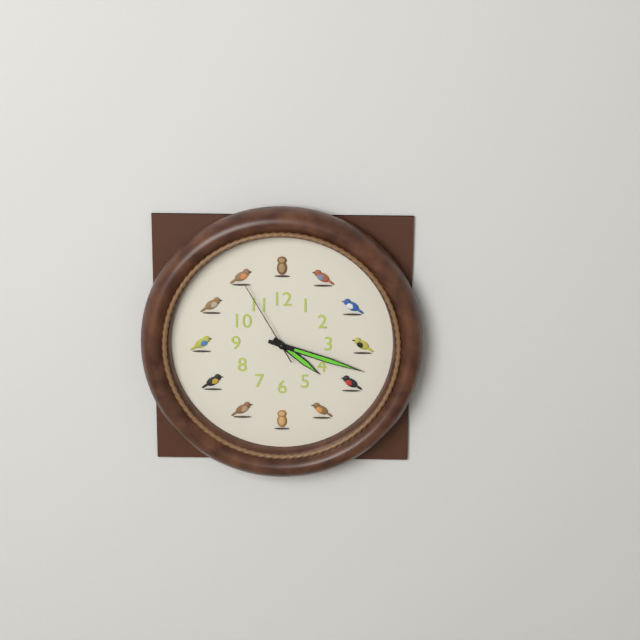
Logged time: h=4 m=18 s=55
